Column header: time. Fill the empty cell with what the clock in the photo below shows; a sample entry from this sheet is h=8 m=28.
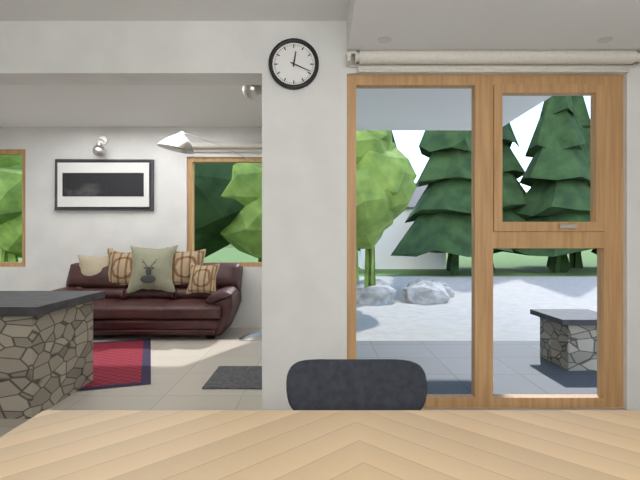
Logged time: h=12 m=19
